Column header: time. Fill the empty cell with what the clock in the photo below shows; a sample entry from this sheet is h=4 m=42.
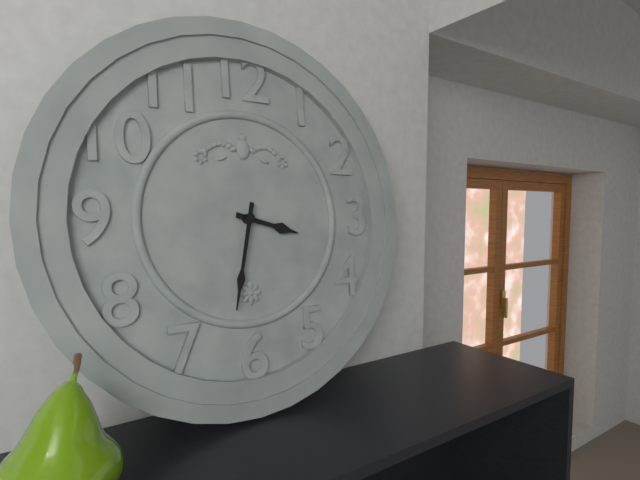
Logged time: h=3 m=32
